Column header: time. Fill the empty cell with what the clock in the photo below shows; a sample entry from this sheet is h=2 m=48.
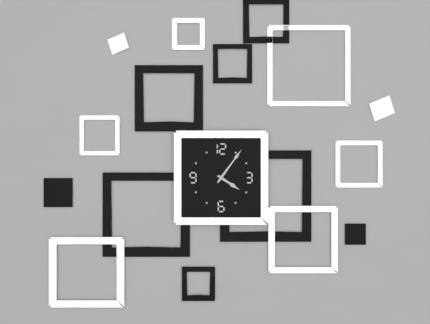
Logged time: h=4 m=6
